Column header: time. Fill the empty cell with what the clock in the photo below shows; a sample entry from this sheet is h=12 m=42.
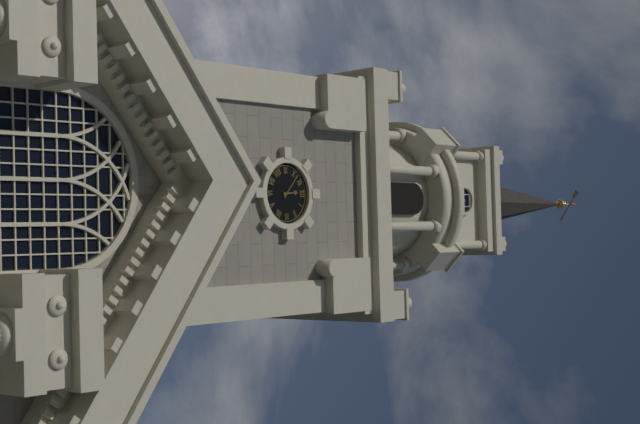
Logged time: h=11 m=52
